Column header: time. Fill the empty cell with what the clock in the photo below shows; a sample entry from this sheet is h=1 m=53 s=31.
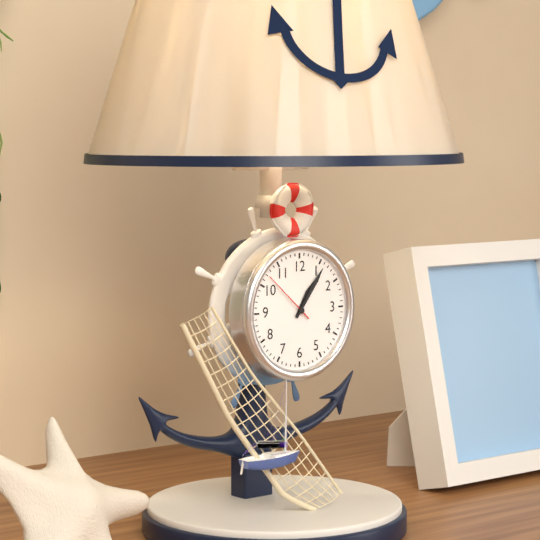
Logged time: h=1 m=6 s=52
